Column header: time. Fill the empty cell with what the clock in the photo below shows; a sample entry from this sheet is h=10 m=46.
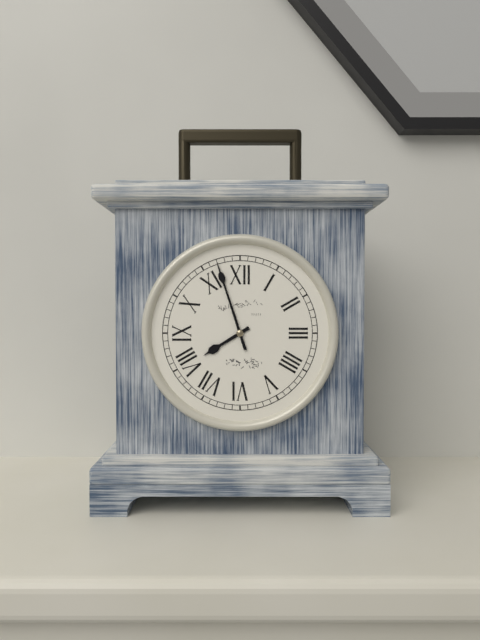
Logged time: h=7 m=57
